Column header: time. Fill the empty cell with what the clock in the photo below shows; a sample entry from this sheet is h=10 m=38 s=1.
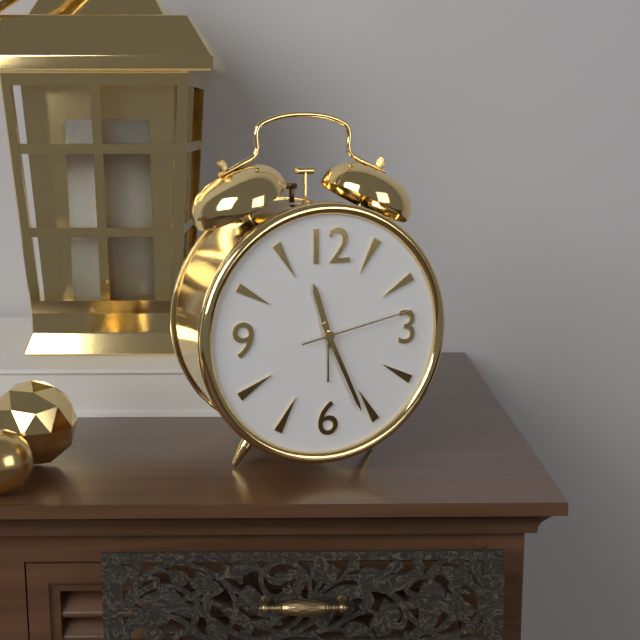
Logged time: h=11 m=26 s=13
